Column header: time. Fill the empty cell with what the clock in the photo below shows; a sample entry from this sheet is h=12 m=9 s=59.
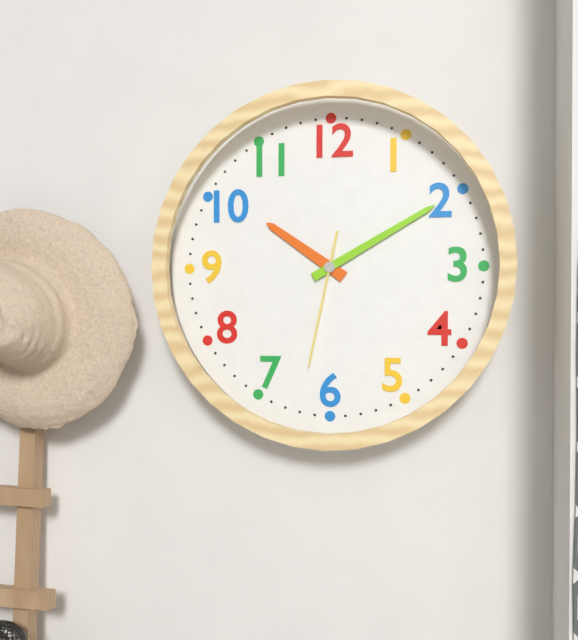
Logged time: h=10 m=10 s=32
